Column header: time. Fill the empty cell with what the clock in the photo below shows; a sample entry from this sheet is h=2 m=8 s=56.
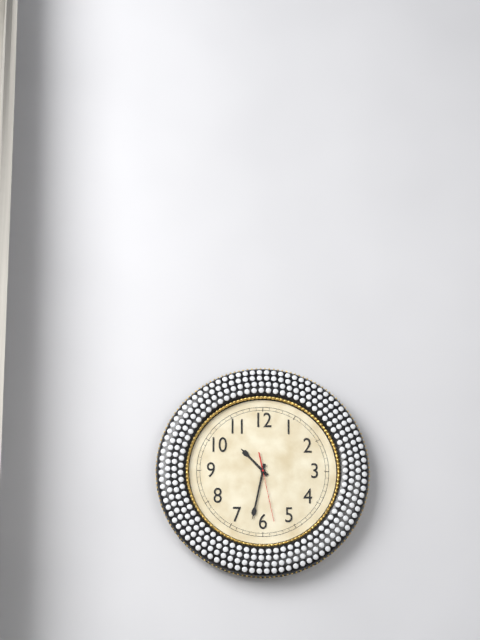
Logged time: h=10 m=32 s=28
